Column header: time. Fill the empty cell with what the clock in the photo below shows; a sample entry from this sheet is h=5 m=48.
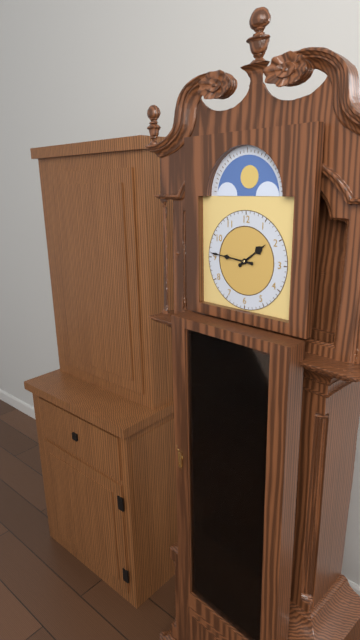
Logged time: h=1 m=46
